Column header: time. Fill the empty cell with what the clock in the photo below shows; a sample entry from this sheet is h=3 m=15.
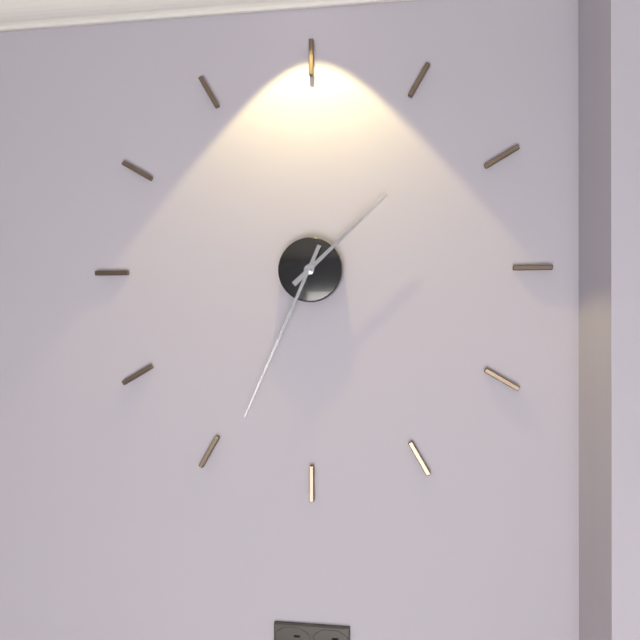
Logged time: h=1 m=34
